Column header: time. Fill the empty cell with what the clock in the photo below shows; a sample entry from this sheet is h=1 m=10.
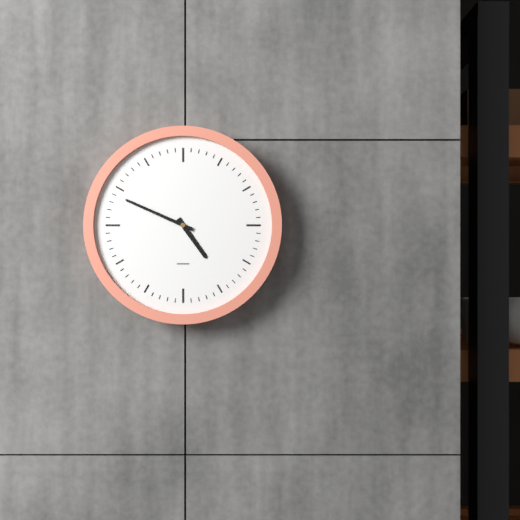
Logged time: h=4 m=49
